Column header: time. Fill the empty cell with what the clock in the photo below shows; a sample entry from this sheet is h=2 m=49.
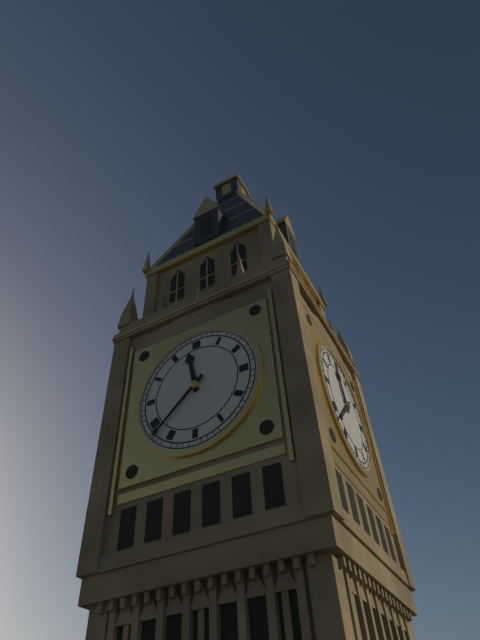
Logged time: h=11 m=38
